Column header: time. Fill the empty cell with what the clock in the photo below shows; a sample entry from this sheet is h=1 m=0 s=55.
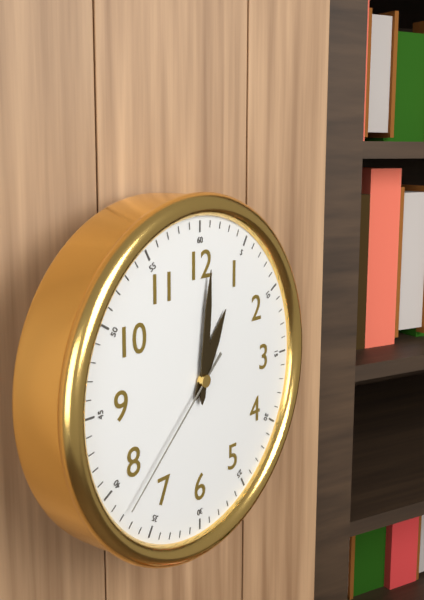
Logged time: h=1 m=1 s=38
